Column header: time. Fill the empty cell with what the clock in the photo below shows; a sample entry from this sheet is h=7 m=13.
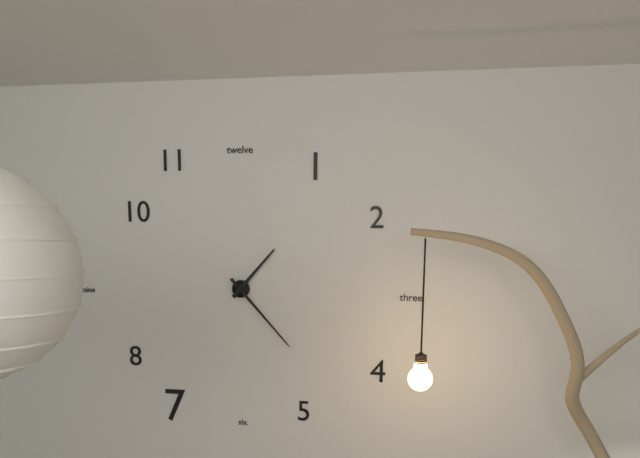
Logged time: h=1 m=23
